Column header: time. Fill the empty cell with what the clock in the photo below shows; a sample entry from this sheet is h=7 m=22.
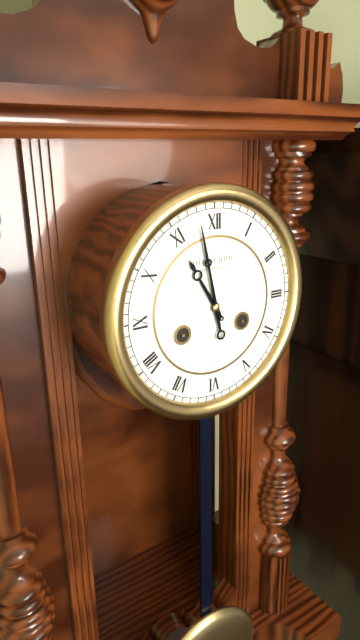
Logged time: h=10 m=58
